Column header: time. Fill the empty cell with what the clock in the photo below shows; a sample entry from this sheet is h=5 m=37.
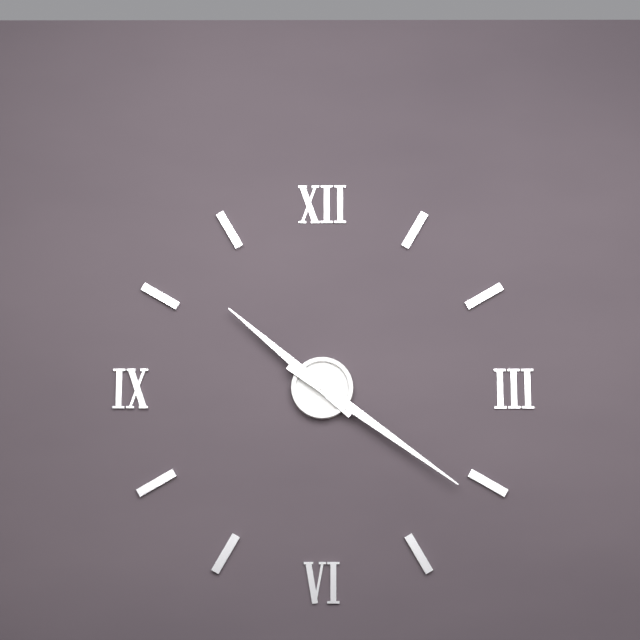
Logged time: h=10 m=21
